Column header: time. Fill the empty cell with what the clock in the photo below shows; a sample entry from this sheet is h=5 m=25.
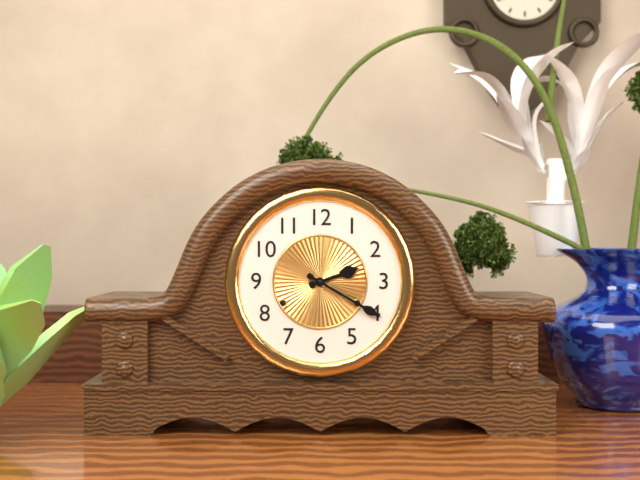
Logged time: h=2 m=20
